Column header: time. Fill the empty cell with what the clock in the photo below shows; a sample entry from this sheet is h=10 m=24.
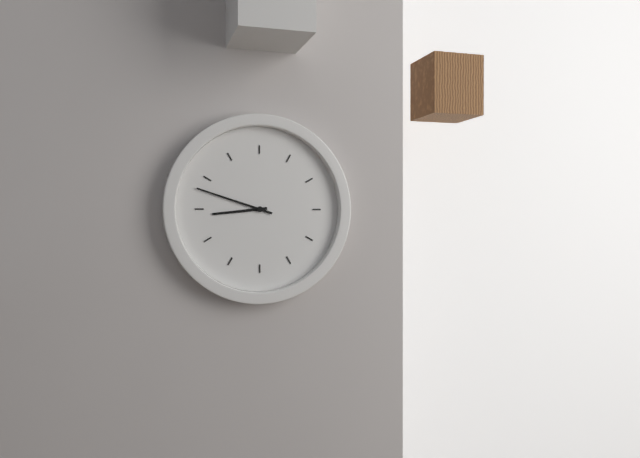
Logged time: h=8 m=48
